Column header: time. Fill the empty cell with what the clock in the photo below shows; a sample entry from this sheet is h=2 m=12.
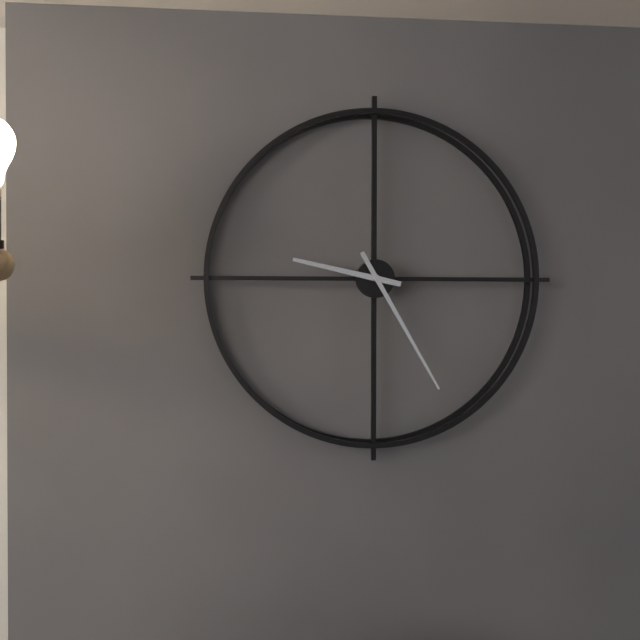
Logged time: h=9 m=25
